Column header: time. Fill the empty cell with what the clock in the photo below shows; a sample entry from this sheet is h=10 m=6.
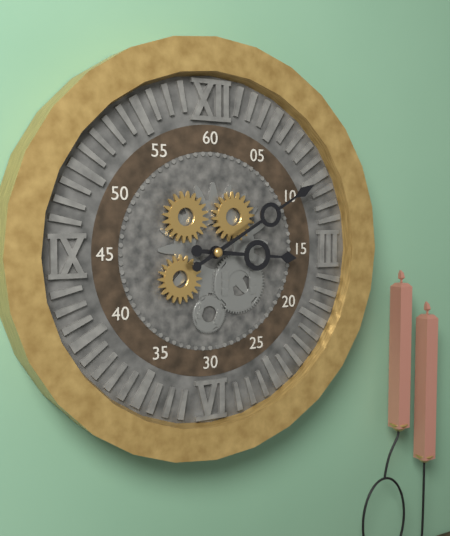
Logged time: h=3 m=10
